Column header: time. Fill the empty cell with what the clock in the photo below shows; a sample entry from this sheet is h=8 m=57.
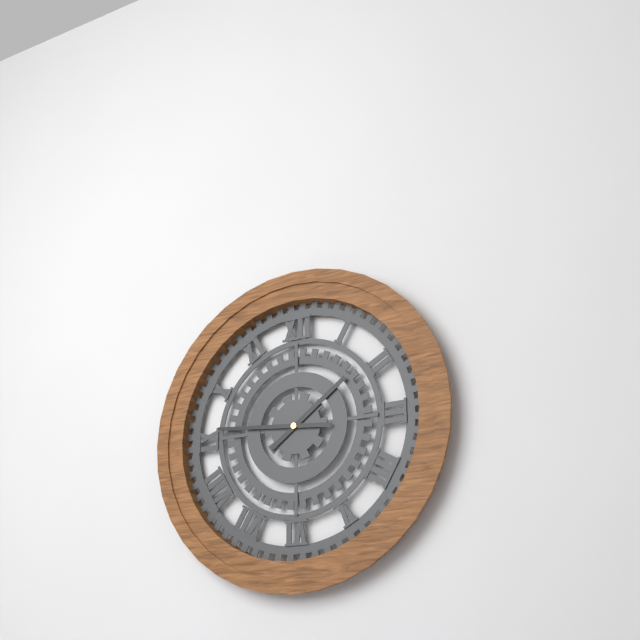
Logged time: h=1 m=46
